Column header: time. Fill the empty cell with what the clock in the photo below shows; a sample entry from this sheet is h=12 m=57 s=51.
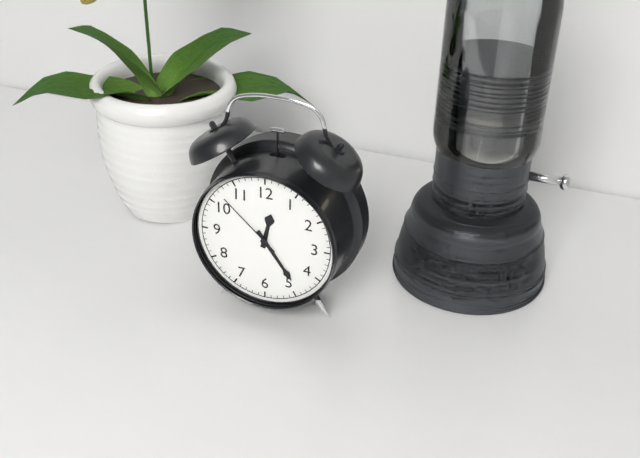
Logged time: h=12 m=24 s=52
